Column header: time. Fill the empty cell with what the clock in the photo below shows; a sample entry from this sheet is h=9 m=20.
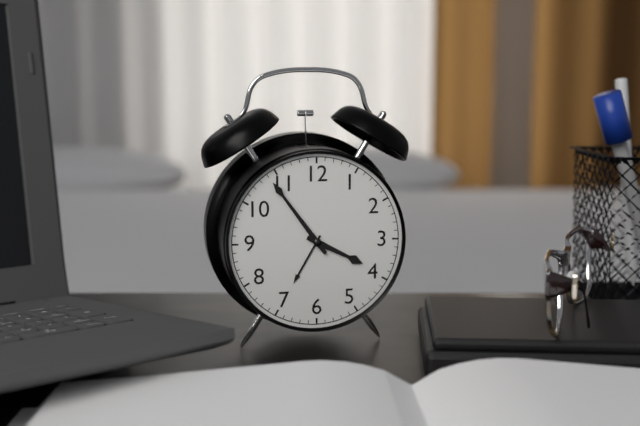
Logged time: h=3 m=54
